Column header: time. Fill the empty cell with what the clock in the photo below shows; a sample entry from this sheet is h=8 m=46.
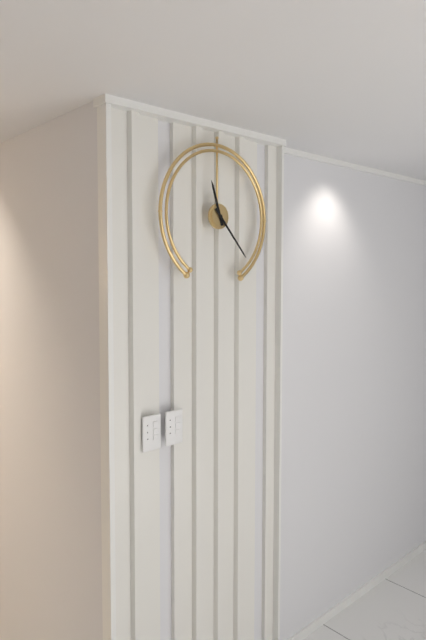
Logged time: h=11 m=23
